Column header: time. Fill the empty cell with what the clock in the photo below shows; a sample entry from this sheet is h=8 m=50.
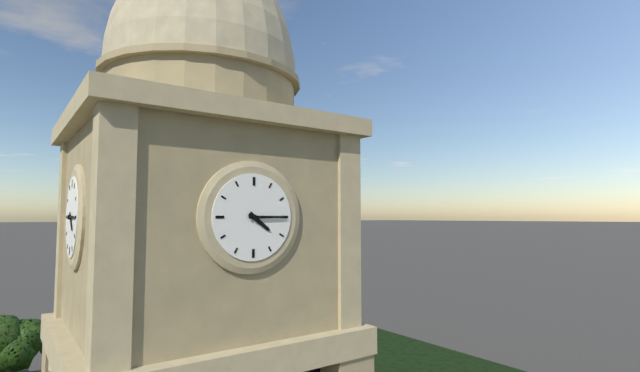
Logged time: h=4 m=15
